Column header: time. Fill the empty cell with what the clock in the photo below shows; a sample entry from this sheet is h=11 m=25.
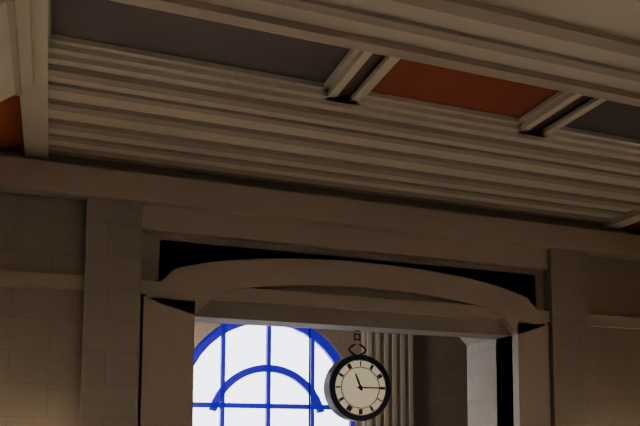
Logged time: h=11 m=15
